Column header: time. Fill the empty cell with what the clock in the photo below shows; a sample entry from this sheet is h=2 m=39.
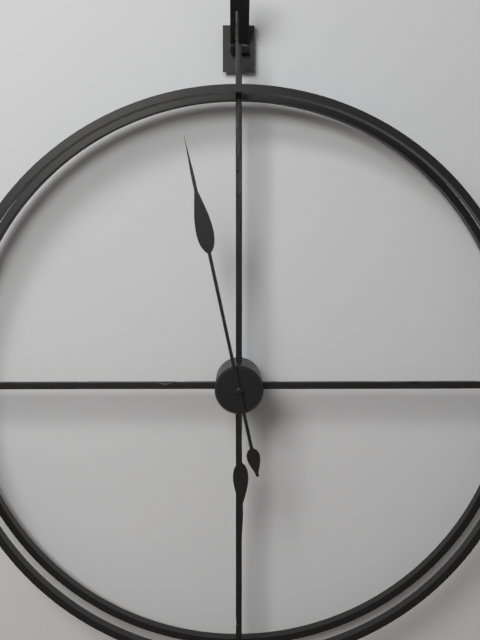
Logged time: h=5 m=58
